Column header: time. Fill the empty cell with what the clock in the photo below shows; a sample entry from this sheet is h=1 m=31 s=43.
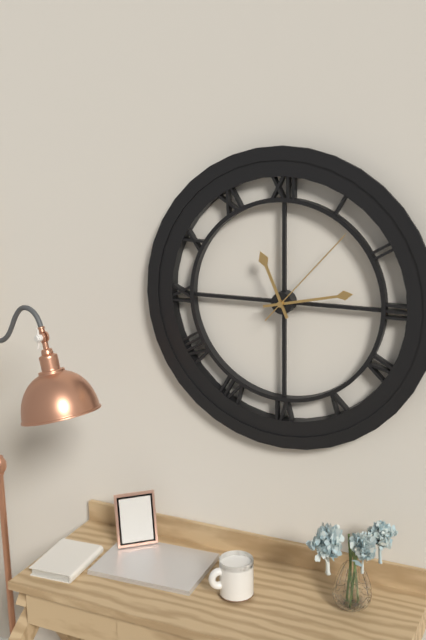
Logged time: h=11 m=13 s=7
